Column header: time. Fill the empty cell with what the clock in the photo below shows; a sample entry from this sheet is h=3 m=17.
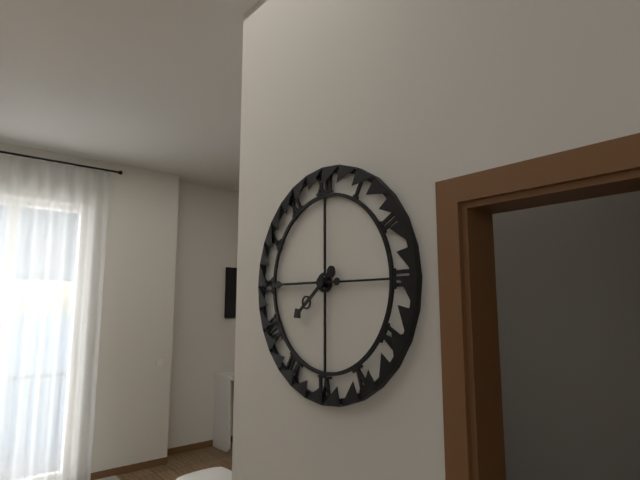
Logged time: h=7 m=45
